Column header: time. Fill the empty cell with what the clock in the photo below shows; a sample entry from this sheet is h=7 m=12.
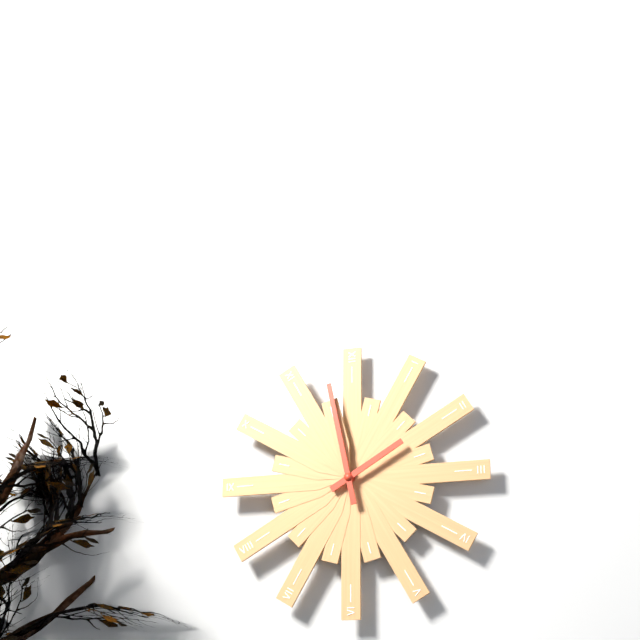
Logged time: h=1 m=58
